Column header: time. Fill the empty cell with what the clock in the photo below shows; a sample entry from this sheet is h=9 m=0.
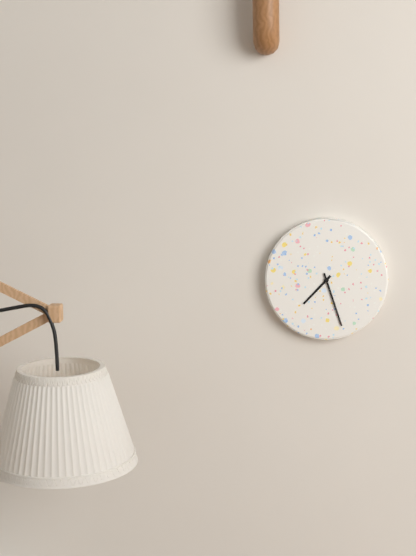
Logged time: h=7 m=27
